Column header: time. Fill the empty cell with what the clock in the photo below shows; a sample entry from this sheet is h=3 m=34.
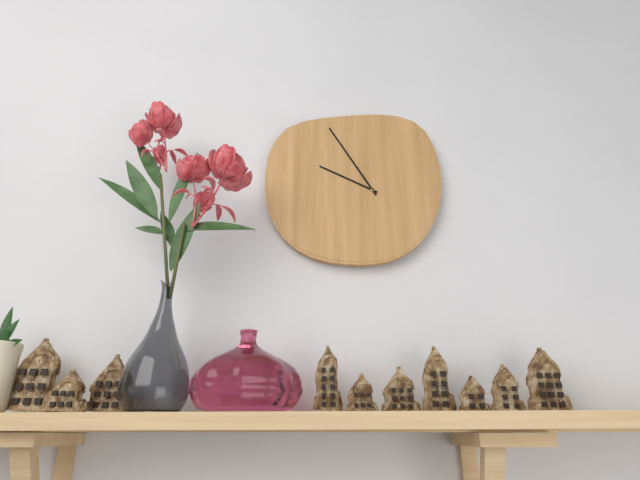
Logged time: h=9 m=55
